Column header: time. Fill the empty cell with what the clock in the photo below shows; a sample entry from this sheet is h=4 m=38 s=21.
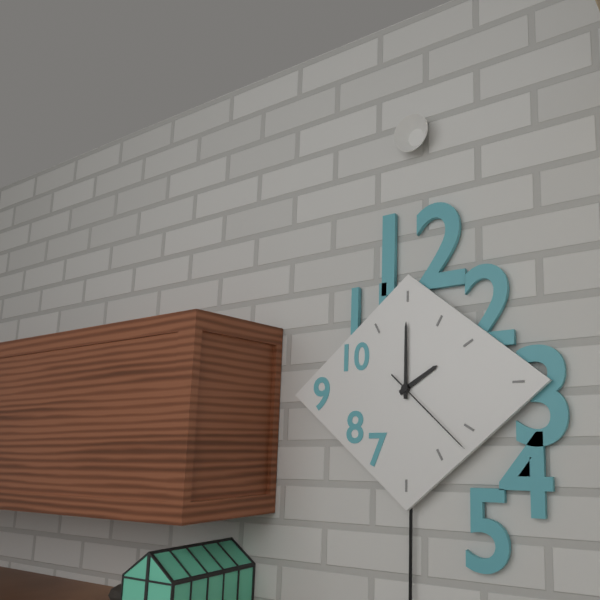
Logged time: h=2 m=0 s=22
